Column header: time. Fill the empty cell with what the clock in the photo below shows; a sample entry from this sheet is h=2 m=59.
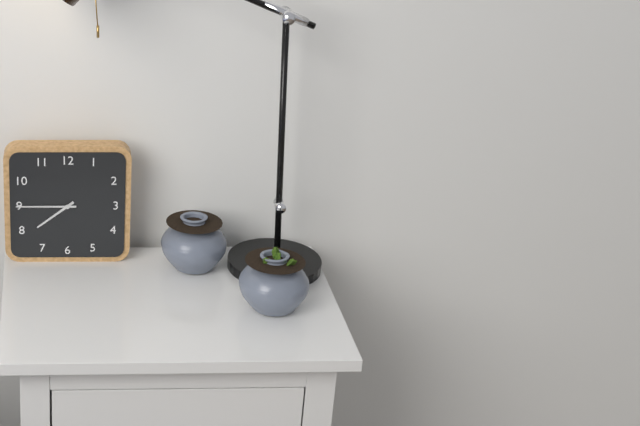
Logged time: h=7 m=45
